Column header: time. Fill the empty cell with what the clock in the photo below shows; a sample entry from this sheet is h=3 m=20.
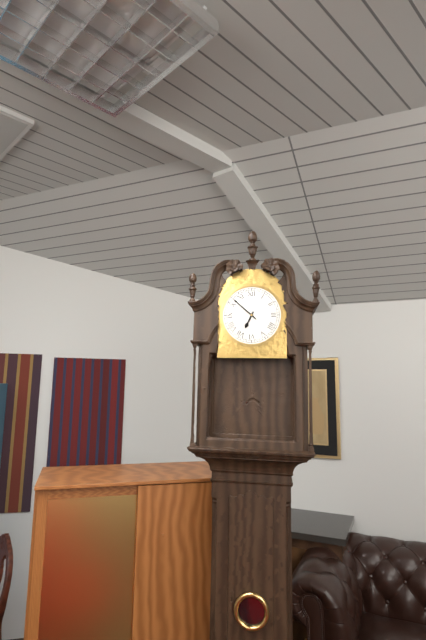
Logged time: h=6 m=52
